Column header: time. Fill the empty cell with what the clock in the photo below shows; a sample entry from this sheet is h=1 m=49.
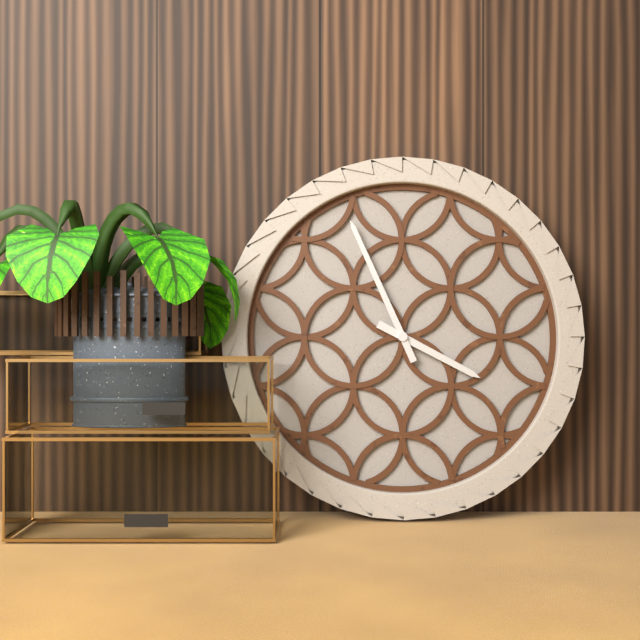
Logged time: h=3 m=56
